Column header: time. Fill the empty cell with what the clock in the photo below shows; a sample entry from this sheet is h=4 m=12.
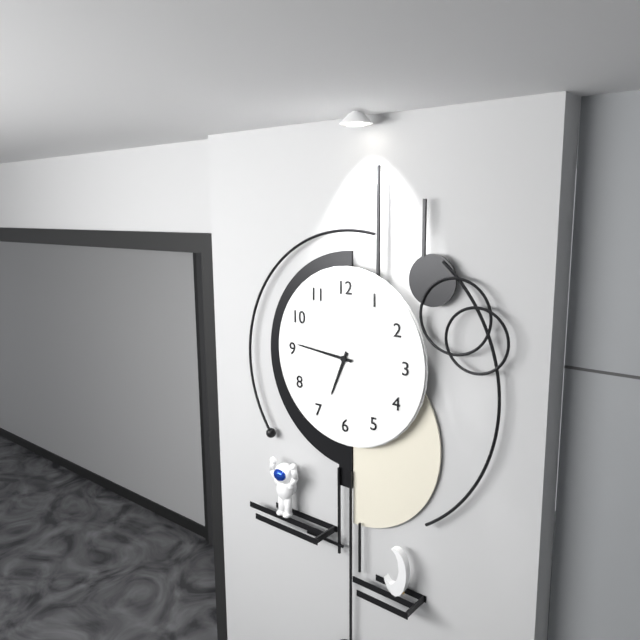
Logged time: h=6 m=46
